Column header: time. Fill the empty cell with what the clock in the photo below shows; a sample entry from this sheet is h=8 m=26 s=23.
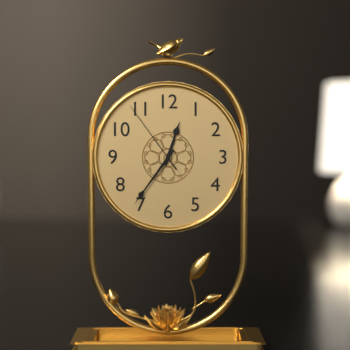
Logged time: h=12 m=36 s=54
